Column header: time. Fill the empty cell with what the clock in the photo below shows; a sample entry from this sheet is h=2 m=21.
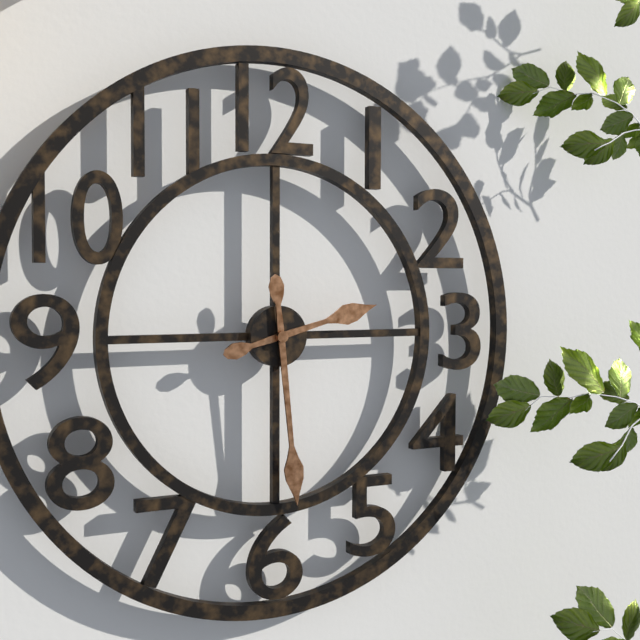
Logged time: h=2 m=29
